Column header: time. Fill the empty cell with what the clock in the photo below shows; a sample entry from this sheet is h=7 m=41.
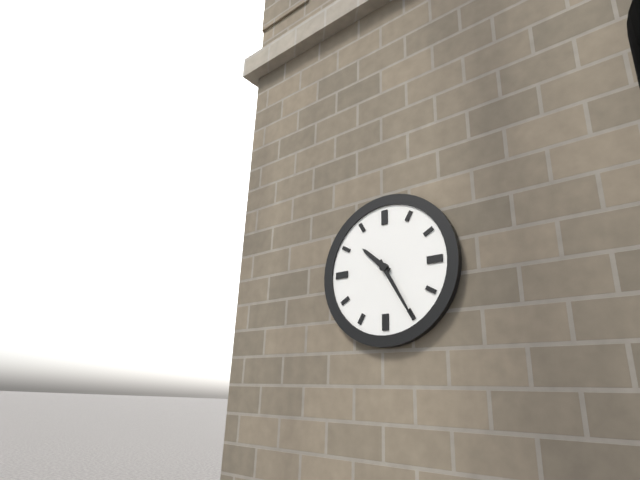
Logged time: h=10 m=25
